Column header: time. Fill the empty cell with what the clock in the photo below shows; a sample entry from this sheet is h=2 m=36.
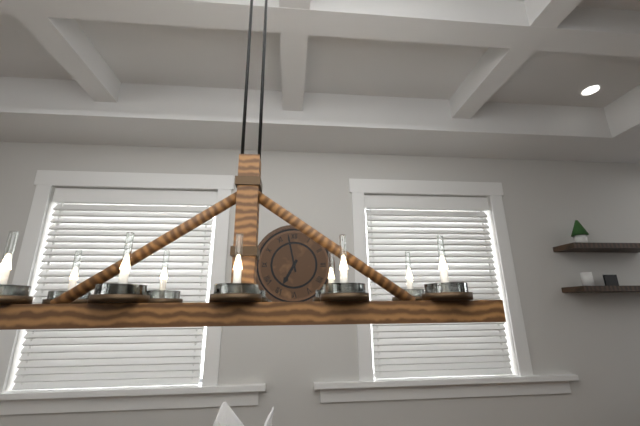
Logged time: h=6 m=58
